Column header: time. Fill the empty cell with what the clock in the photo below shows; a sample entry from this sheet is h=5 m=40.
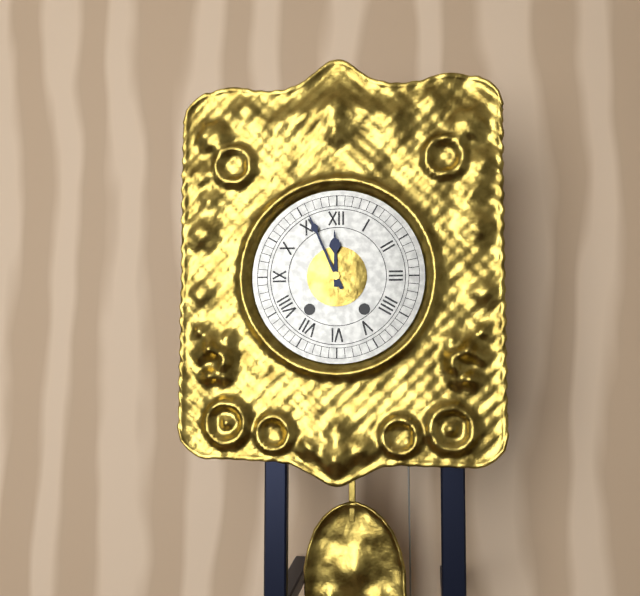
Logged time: h=11 m=56
